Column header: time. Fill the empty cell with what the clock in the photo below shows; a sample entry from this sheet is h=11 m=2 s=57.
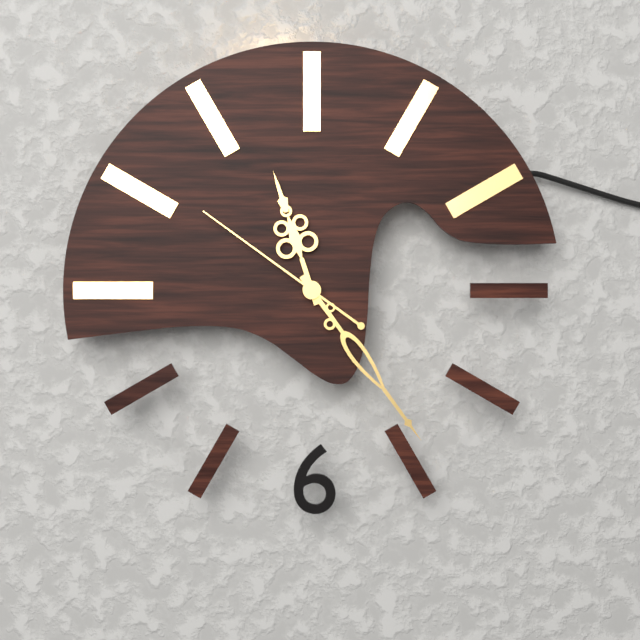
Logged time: h=11 m=24 s=51
